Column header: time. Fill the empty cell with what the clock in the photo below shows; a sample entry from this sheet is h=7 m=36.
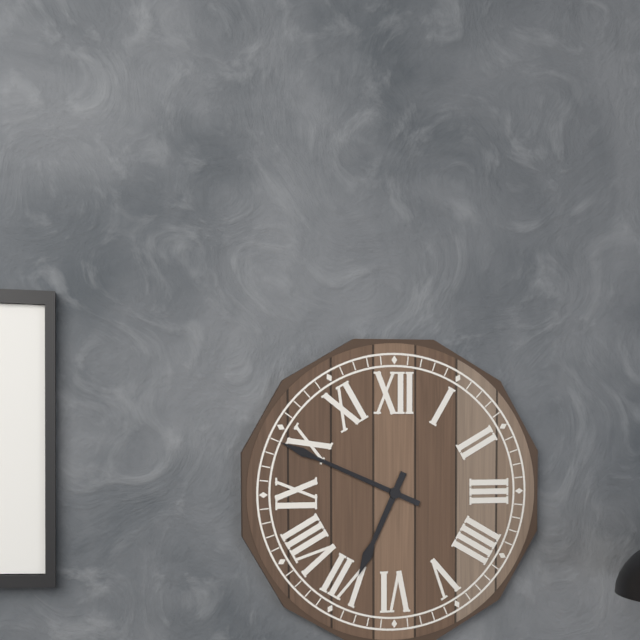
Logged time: h=6 m=49
